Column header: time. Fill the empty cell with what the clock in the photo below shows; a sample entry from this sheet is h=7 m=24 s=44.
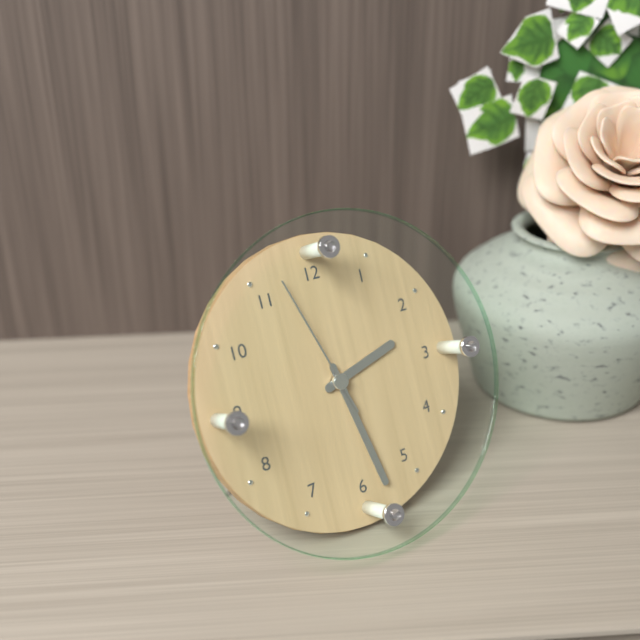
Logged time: h=2 m=28 s=57
